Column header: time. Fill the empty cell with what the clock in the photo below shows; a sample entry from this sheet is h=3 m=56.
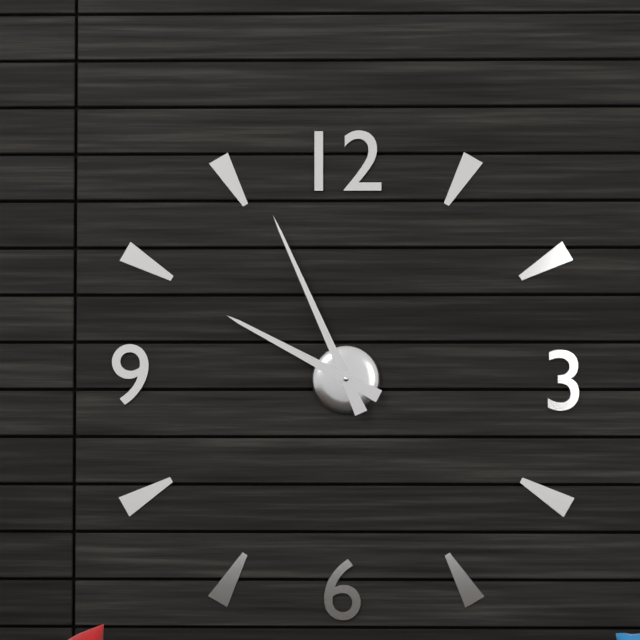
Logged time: h=9 m=56
